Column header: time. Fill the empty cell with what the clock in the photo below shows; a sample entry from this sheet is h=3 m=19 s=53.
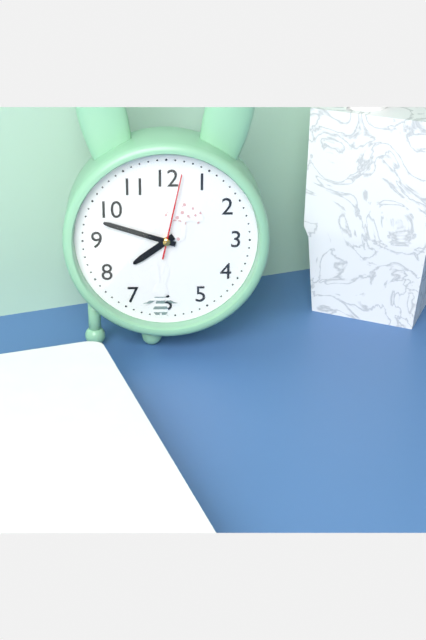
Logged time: h=7 m=48 s=2
